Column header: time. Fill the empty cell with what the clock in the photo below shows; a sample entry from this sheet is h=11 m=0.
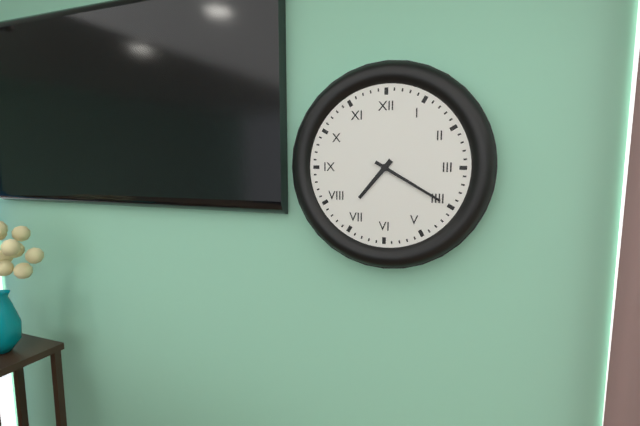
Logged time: h=7 m=20
